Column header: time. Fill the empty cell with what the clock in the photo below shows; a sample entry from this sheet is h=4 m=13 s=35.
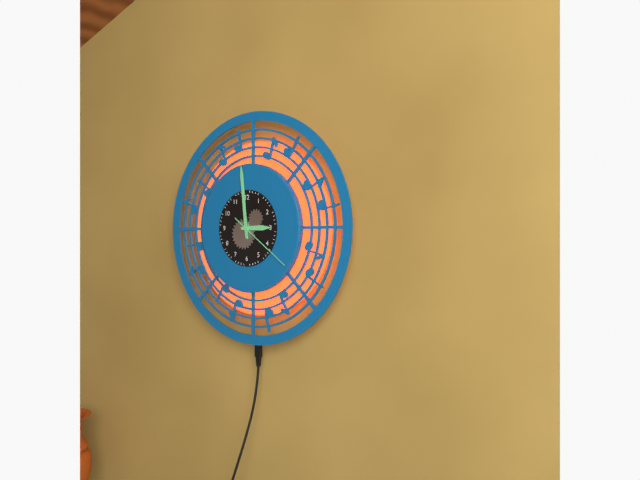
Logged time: h=2 m=59 s=21
